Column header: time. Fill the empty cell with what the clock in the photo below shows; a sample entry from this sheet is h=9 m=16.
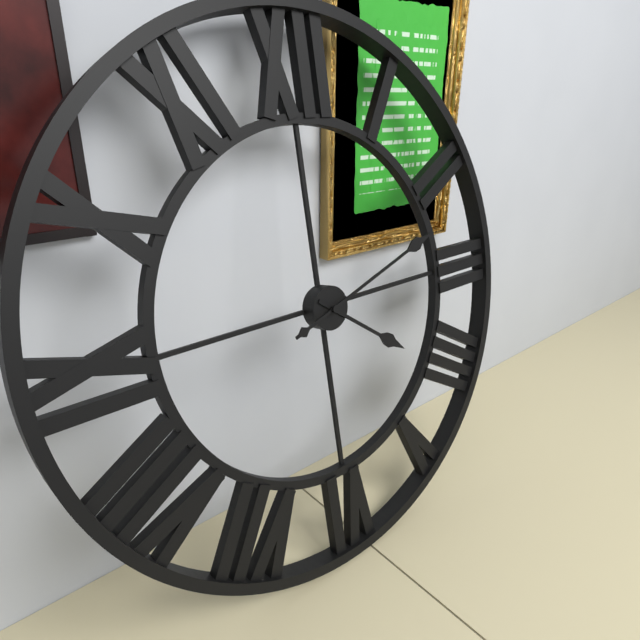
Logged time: h=4 m=12
